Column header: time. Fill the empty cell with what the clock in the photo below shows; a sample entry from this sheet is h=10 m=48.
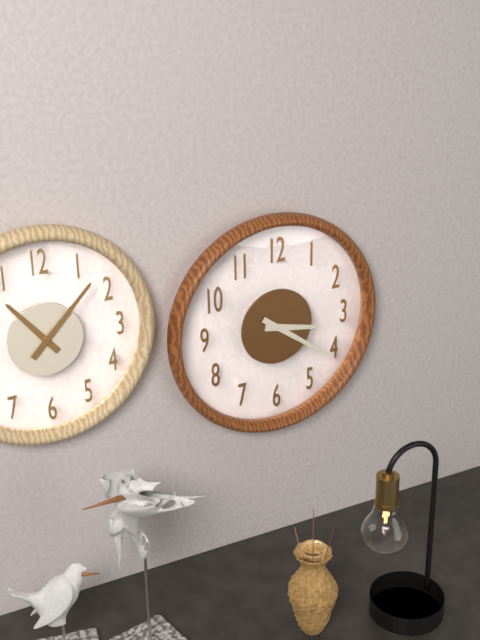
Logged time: h=3 m=21
